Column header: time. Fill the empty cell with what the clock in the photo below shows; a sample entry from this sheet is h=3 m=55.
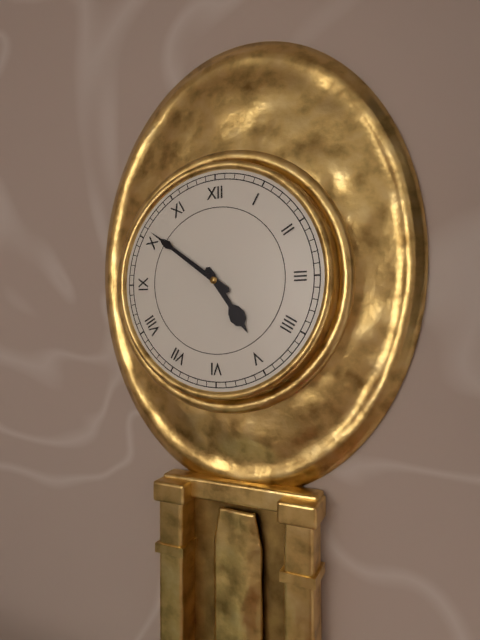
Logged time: h=4 m=51
